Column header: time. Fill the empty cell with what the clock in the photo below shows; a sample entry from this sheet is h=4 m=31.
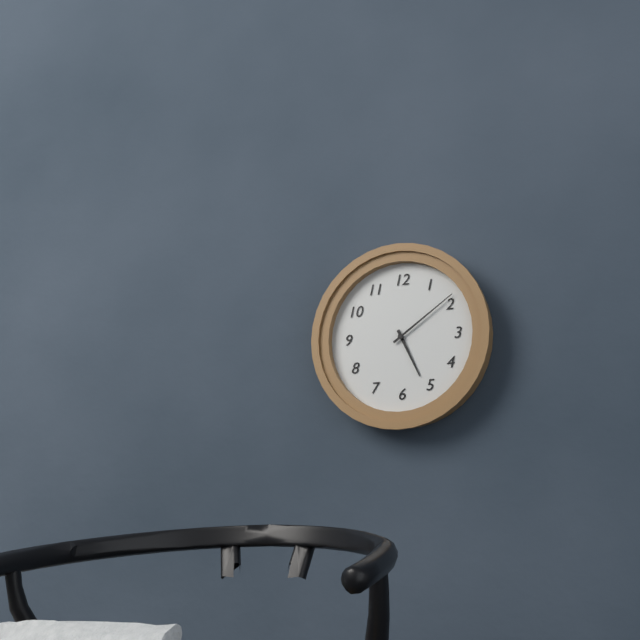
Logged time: h=5 m=9
